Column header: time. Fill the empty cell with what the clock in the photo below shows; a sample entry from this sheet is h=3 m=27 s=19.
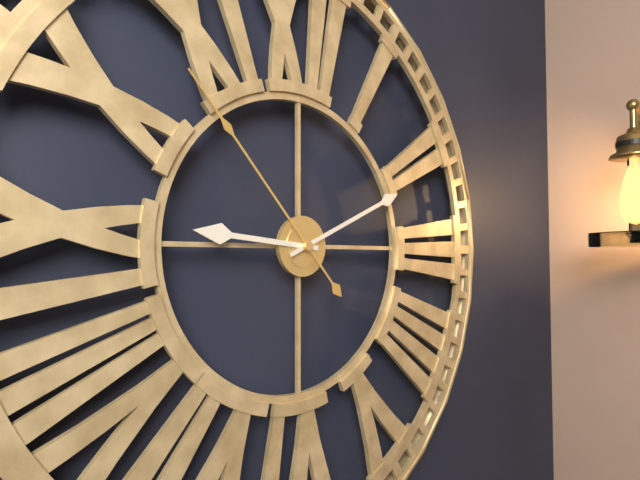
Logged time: h=9 m=11 s=53
